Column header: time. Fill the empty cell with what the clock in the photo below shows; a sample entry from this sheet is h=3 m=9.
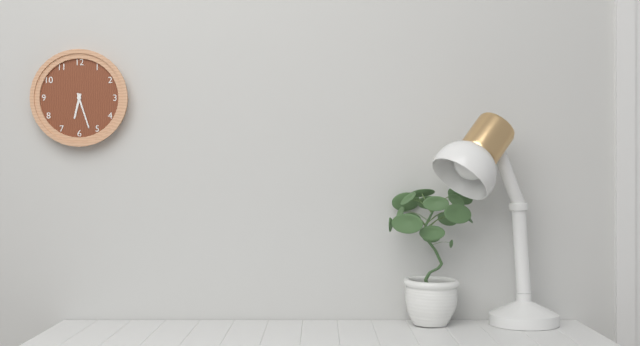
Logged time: h=6 m=27
